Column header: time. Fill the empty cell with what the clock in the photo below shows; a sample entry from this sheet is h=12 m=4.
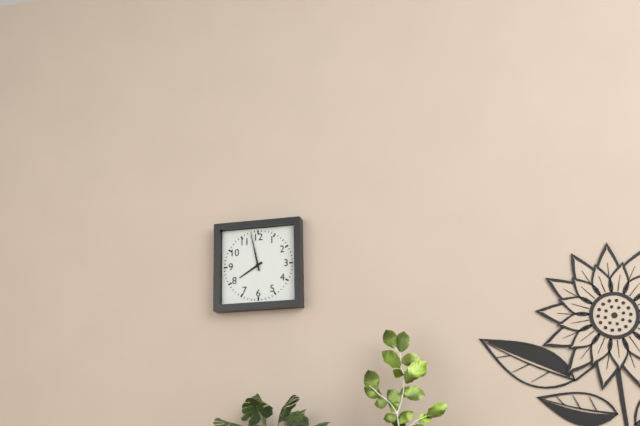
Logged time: h=7 m=58
